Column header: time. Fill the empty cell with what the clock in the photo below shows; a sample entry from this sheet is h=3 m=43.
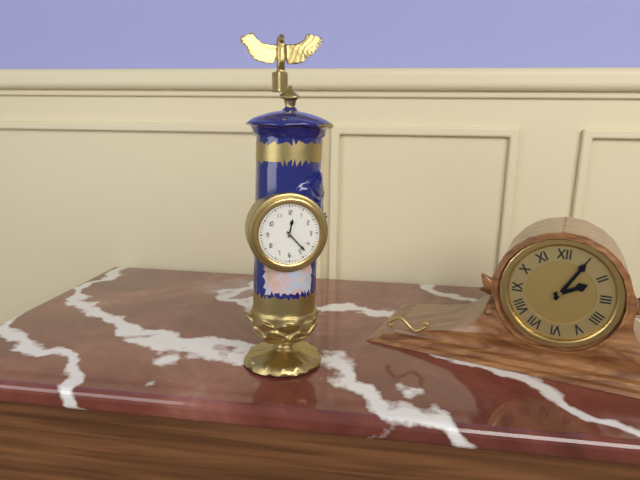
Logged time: h=12 m=23
